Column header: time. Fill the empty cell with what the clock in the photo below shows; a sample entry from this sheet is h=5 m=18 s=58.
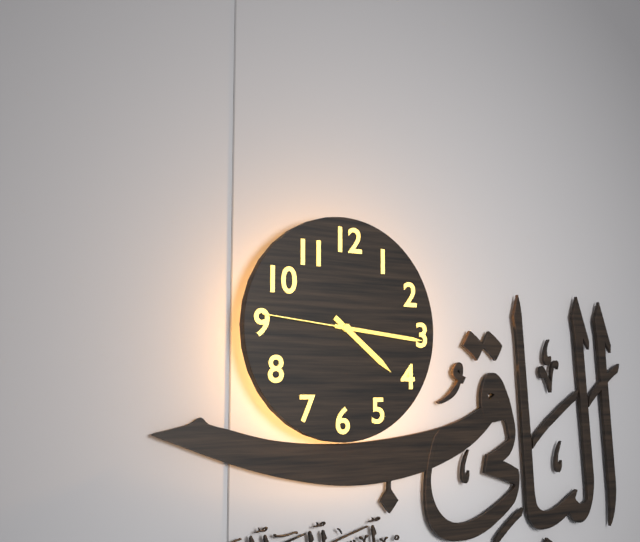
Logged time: h=4 m=16 s=46
